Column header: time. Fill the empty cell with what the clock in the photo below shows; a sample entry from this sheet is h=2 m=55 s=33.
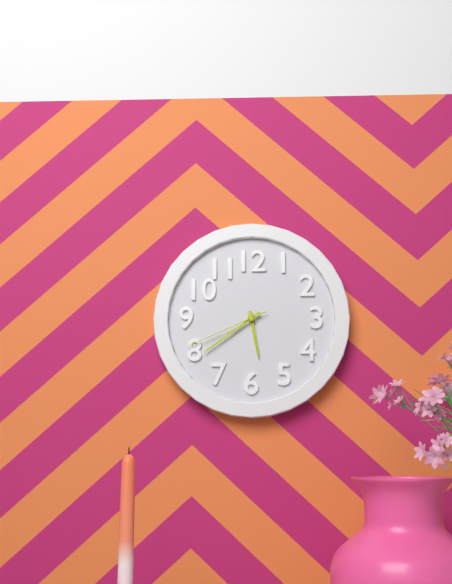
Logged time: h=5 m=39 s=41
